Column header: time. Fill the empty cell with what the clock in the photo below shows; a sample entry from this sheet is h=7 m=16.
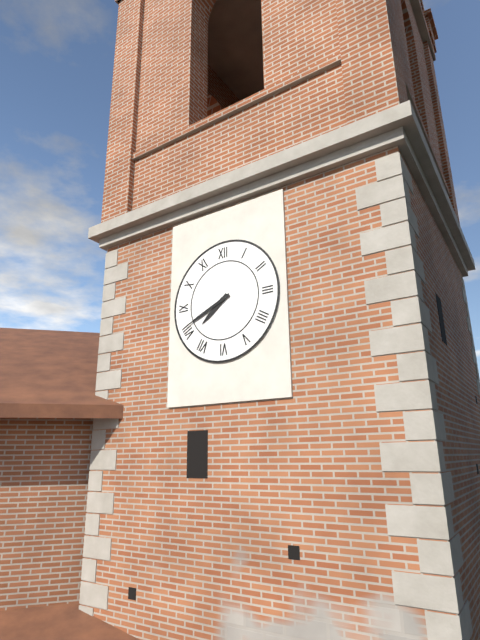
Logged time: h=7 m=41
